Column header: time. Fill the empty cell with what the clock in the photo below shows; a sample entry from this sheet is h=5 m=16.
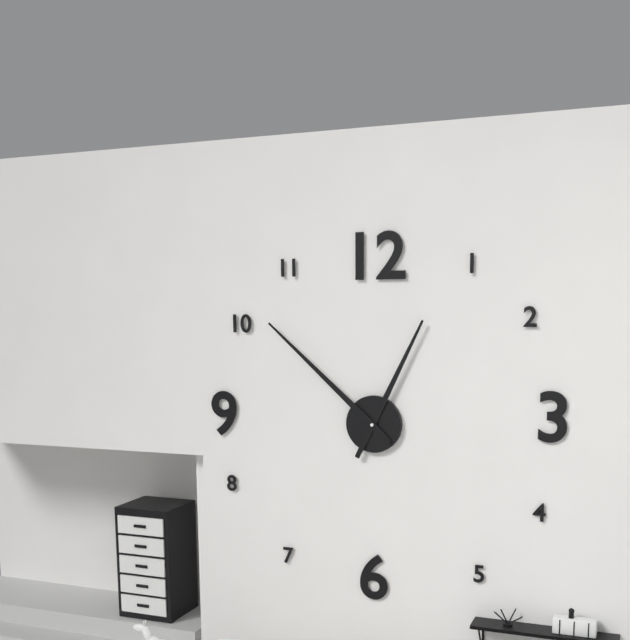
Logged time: h=12 m=52
